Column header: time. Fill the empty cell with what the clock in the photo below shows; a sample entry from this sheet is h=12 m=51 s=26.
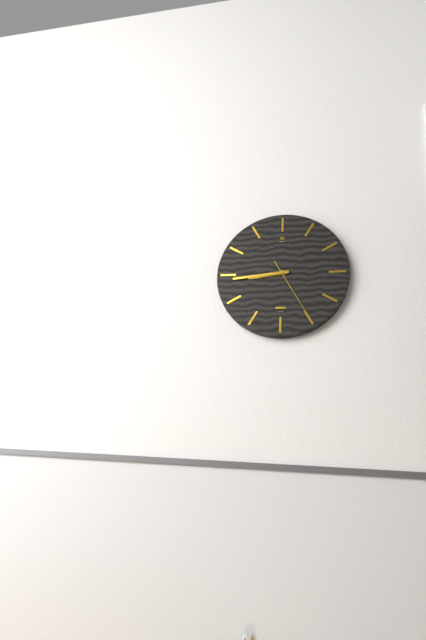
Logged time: h=8 m=44 s=25
